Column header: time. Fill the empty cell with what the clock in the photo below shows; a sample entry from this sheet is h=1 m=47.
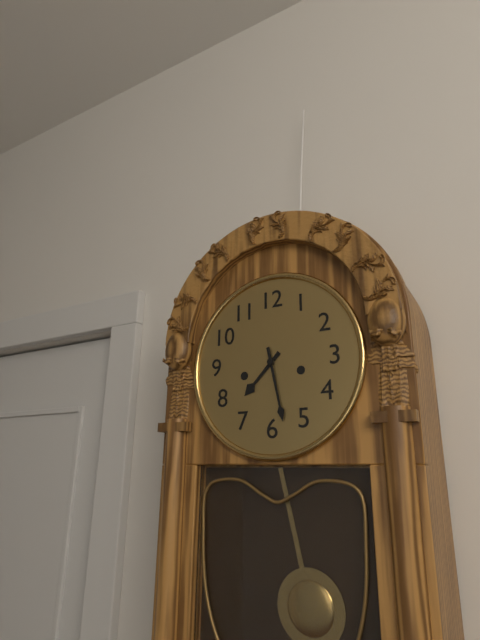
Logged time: h=7 m=28
